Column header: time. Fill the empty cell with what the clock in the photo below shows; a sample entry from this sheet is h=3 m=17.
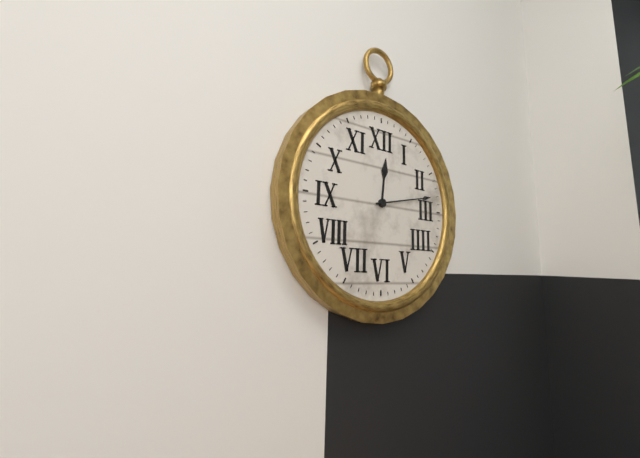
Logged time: h=12 m=13
